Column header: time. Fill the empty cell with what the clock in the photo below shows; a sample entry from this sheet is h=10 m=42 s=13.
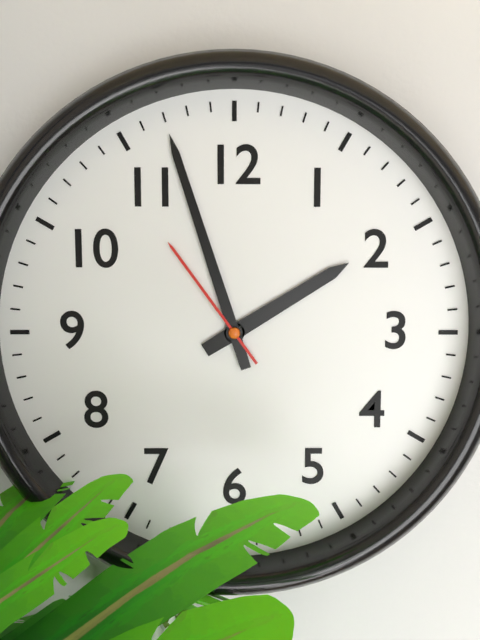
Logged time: h=1 m=57 s=54
